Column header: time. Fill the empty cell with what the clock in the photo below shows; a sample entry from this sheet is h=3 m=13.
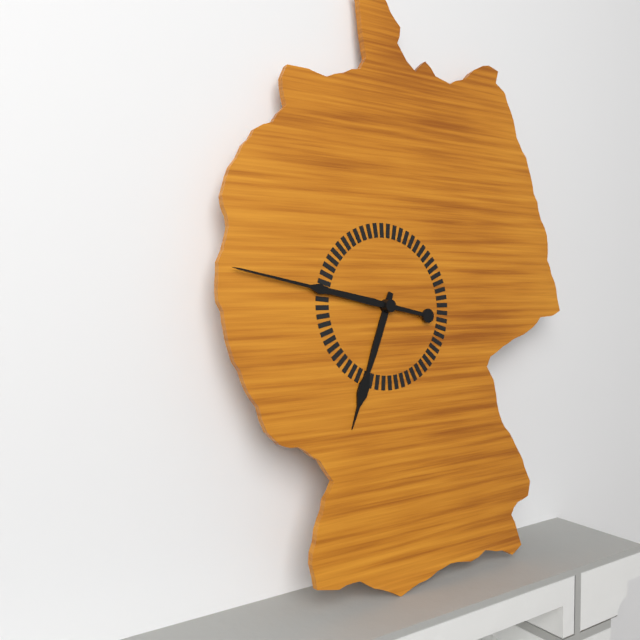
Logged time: h=6 m=47
